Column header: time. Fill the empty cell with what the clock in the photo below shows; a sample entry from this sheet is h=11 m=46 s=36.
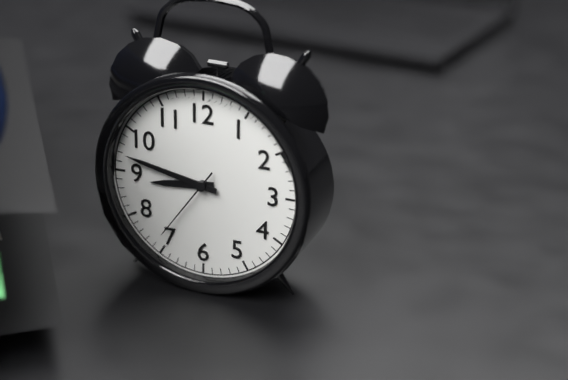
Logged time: h=8 m=47 s=36
